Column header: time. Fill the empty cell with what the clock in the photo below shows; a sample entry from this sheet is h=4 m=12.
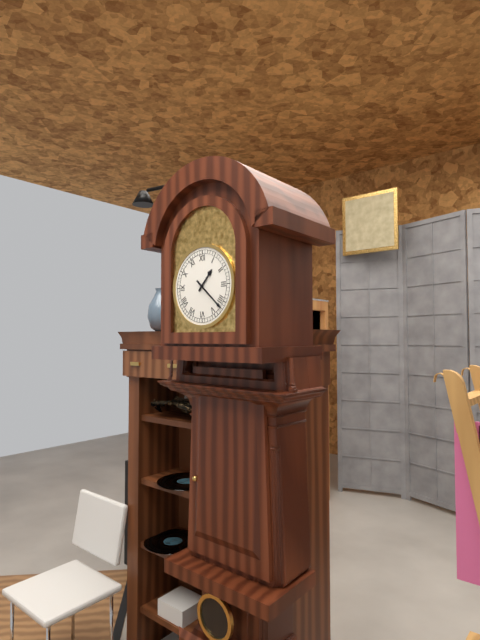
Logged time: h=1 m=22
